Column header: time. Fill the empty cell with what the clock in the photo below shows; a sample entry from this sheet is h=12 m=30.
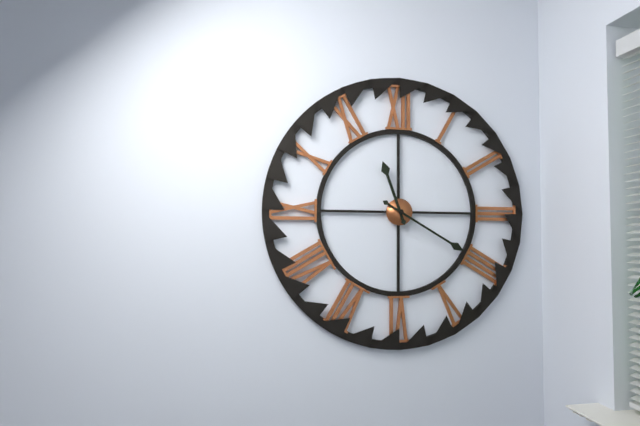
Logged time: h=11 m=20
